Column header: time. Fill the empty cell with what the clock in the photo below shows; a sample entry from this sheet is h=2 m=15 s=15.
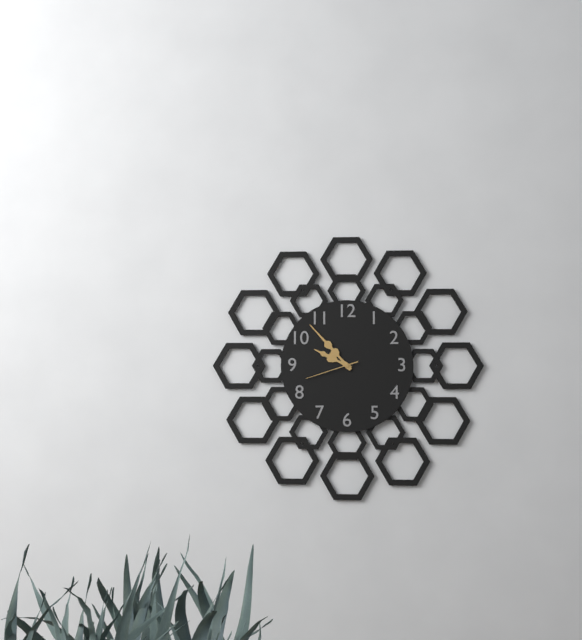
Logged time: h=9 m=53 s=42
